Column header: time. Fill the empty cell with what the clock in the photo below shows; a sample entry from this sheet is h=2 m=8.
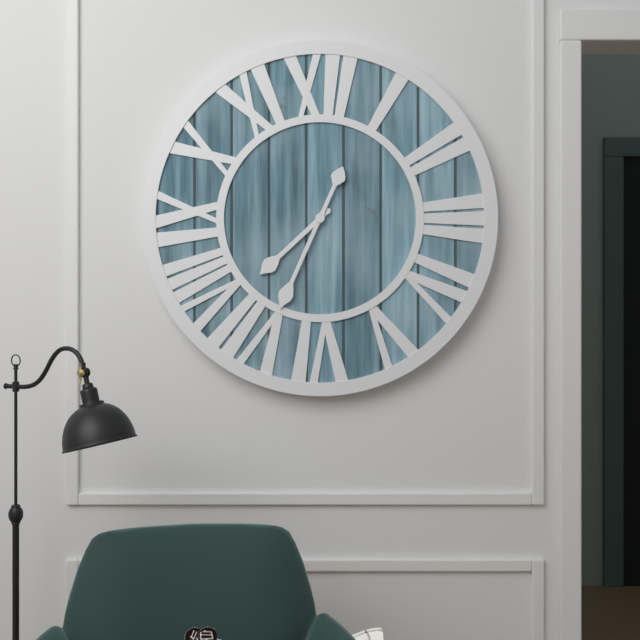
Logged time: h=7 m=34
